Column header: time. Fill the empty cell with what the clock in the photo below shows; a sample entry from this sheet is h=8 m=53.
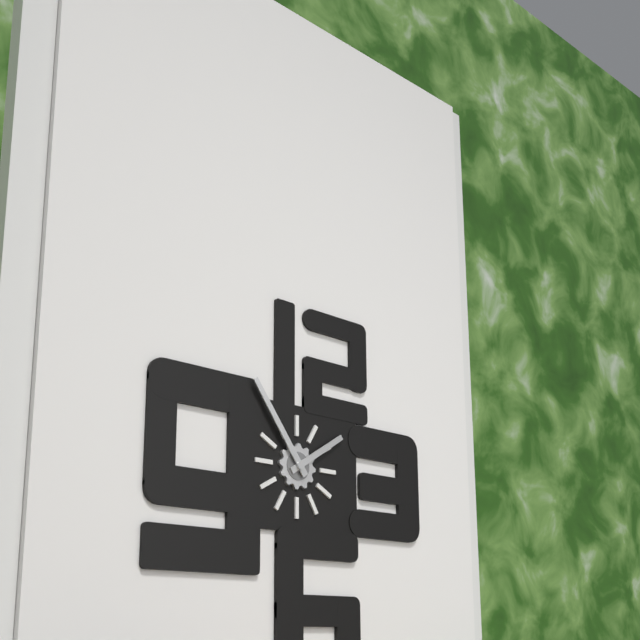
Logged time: h=1 m=54
